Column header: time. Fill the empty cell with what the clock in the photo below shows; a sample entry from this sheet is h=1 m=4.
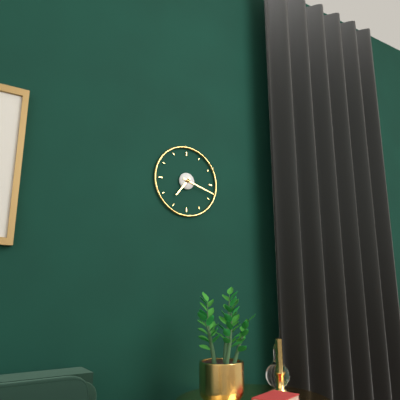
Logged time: h=7 m=18
